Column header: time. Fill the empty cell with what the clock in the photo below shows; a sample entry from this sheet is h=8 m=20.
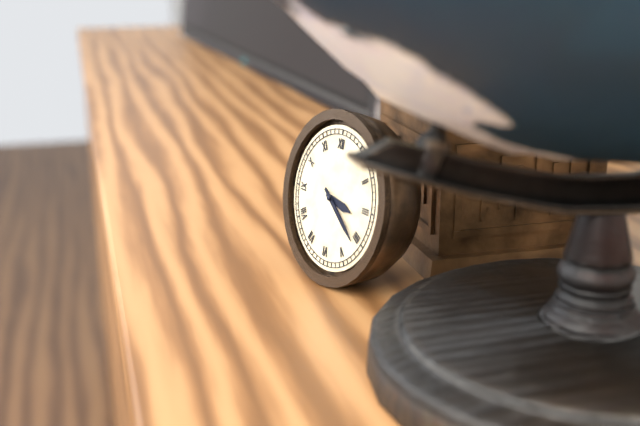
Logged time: h=3 m=21
